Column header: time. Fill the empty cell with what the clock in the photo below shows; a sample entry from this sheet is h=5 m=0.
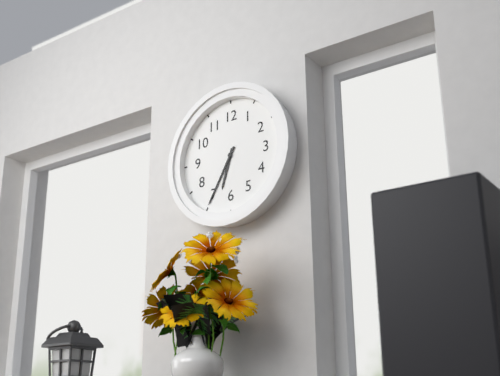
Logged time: h=6 m=35
